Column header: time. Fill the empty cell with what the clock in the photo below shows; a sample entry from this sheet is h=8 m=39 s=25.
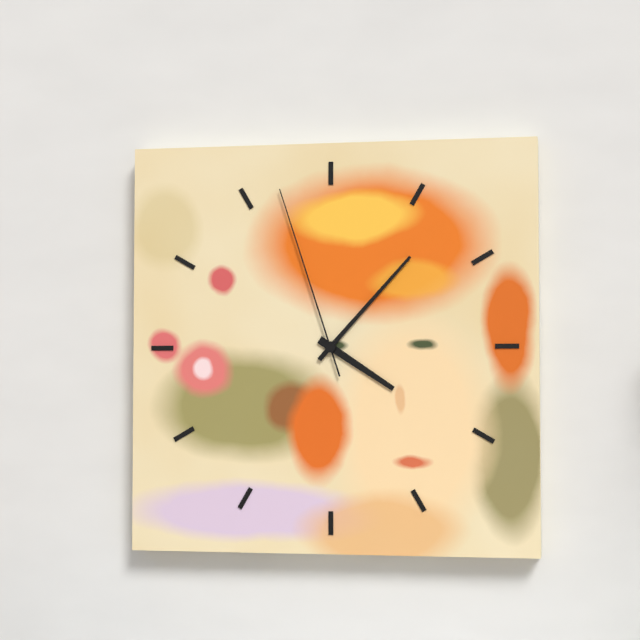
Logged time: h=4 m=7 s=57
